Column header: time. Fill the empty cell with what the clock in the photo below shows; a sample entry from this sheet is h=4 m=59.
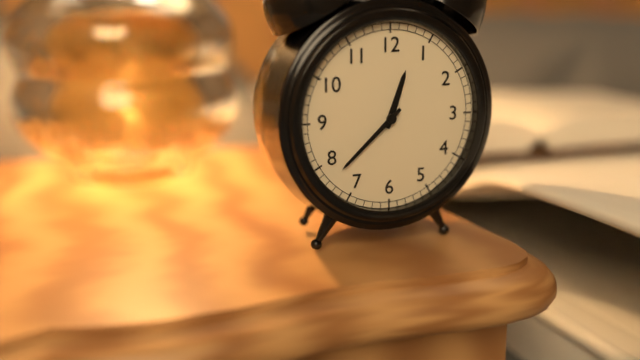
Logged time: h=12 m=38
